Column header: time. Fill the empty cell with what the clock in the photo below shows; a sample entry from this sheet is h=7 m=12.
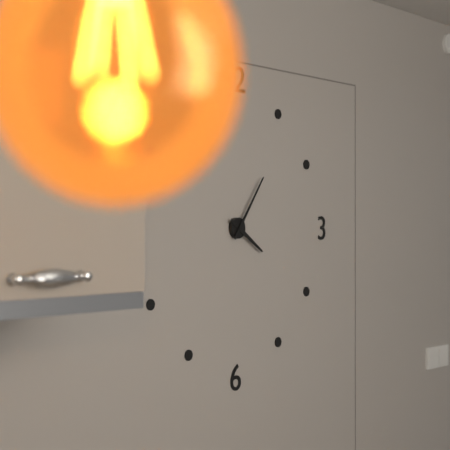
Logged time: h=4 m=6
